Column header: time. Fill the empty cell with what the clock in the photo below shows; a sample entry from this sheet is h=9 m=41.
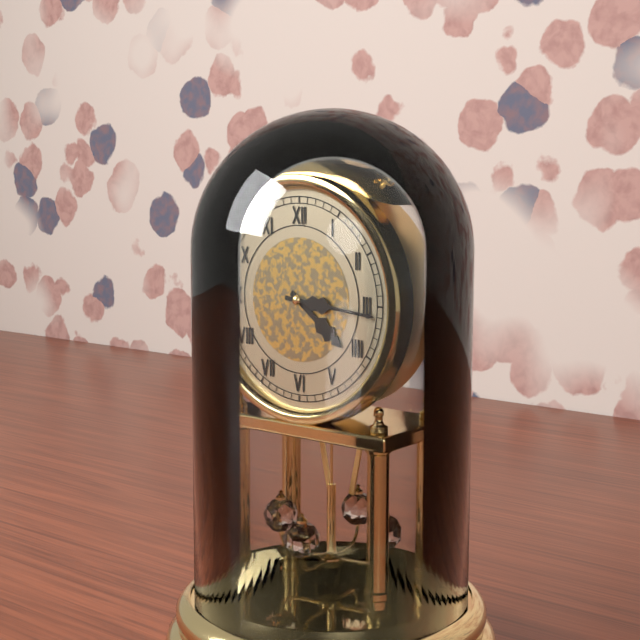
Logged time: h=4 m=16
